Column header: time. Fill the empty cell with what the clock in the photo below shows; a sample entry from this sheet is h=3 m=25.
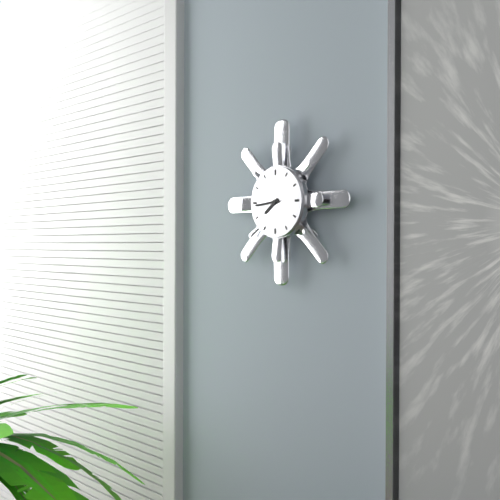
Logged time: h=7 m=44
